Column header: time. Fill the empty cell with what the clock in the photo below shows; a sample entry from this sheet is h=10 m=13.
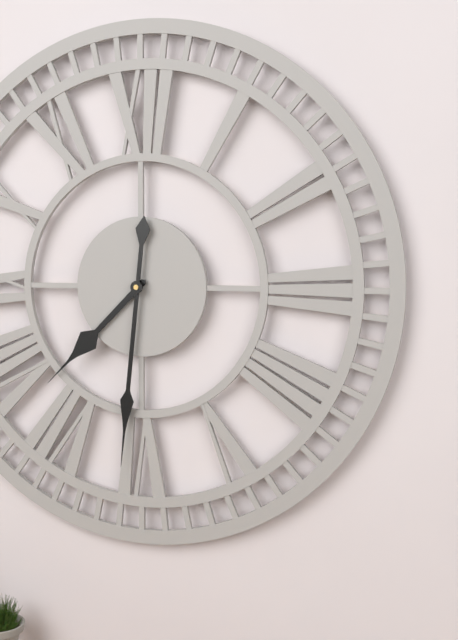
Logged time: h=7 m=31
